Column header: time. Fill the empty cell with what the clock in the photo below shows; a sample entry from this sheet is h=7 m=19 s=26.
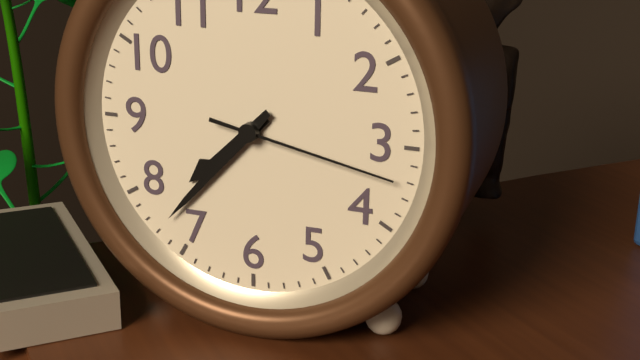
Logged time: h=7 m=37 s=17
